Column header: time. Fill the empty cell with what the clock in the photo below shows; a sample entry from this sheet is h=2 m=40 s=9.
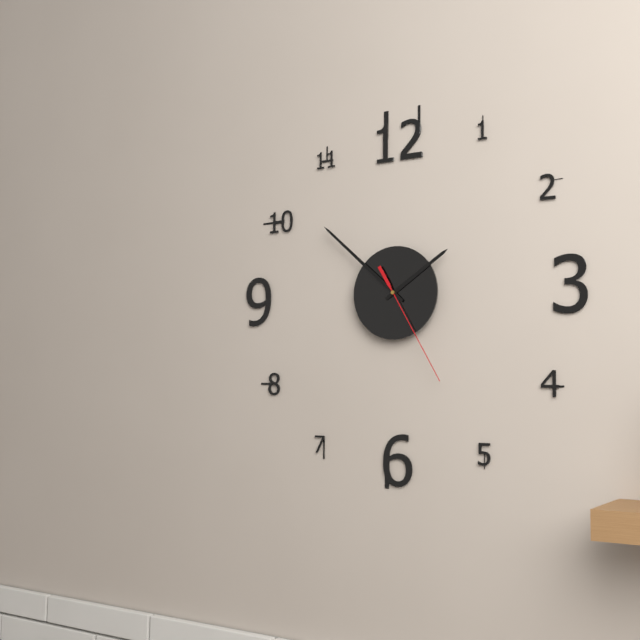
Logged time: h=1 m=52 s=25
